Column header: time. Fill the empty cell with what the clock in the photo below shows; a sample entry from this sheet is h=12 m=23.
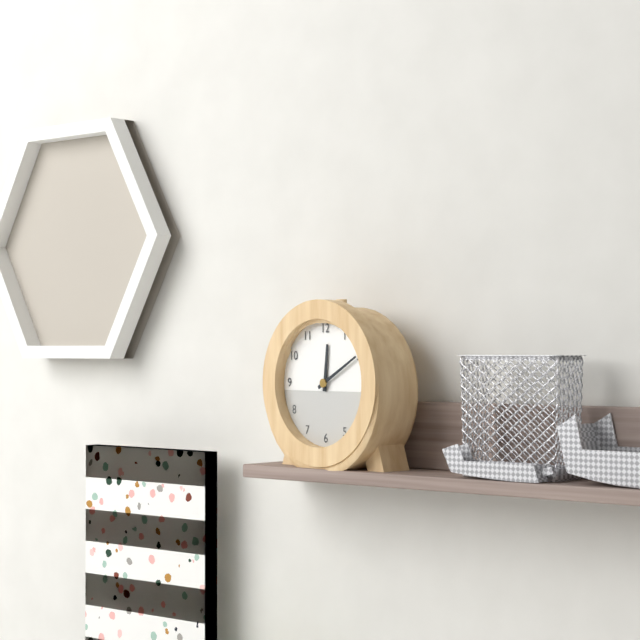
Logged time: h=12 m=10
